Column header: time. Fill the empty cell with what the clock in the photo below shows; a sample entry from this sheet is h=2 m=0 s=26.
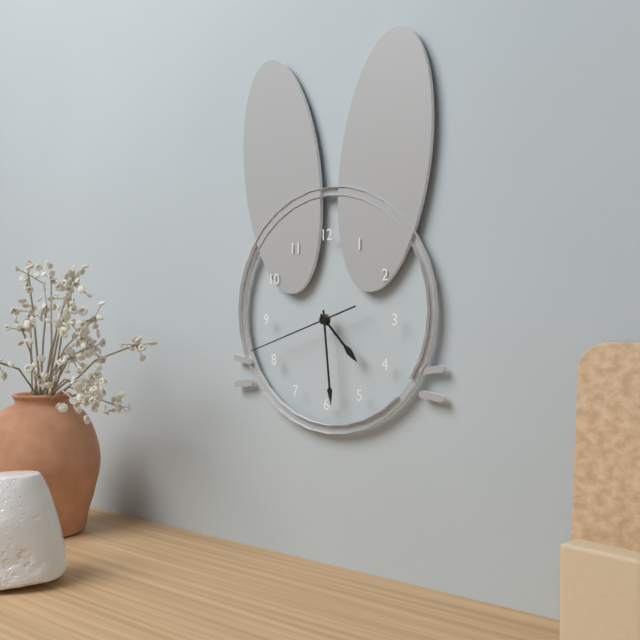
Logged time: h=4 m=29 s=42
